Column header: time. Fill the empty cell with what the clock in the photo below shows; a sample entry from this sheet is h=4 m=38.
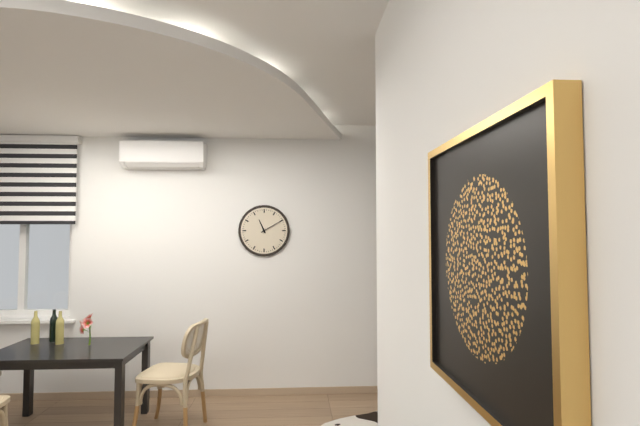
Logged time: h=11 m=10
